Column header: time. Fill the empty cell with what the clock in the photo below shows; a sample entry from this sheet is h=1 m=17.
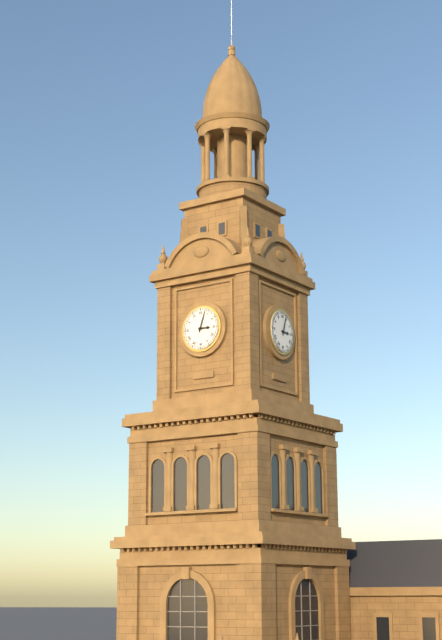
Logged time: h=3 m=3
